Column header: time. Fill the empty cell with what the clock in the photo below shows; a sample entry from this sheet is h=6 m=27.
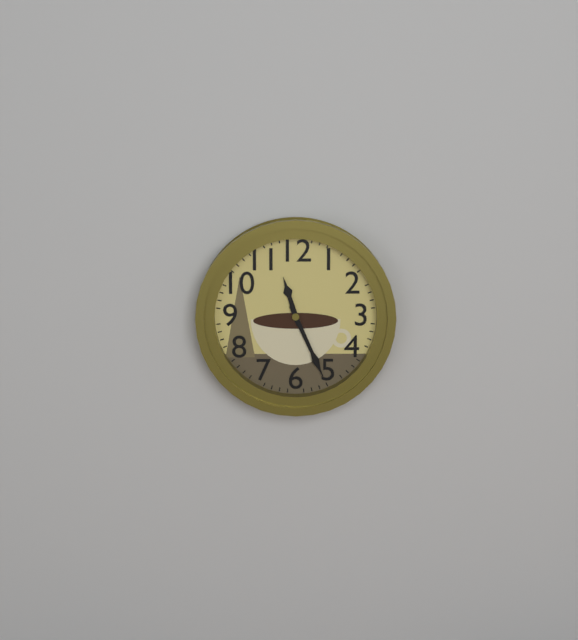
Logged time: h=11 m=26
